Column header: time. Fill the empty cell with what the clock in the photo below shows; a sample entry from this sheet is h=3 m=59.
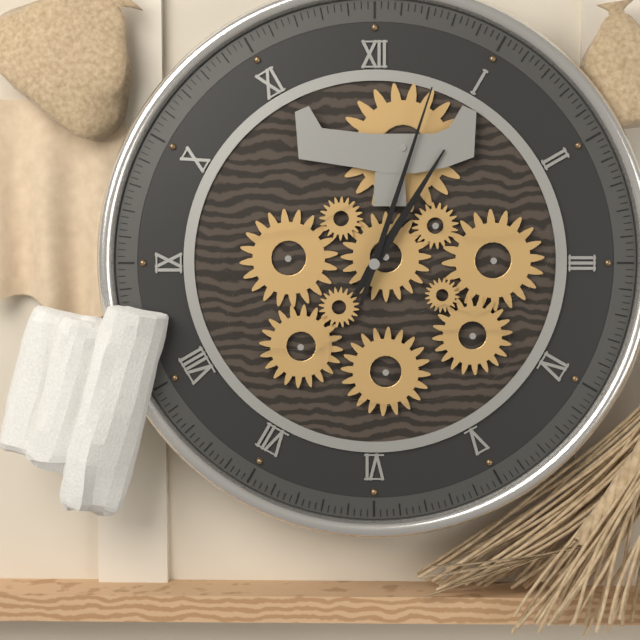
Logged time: h=1 m=3
